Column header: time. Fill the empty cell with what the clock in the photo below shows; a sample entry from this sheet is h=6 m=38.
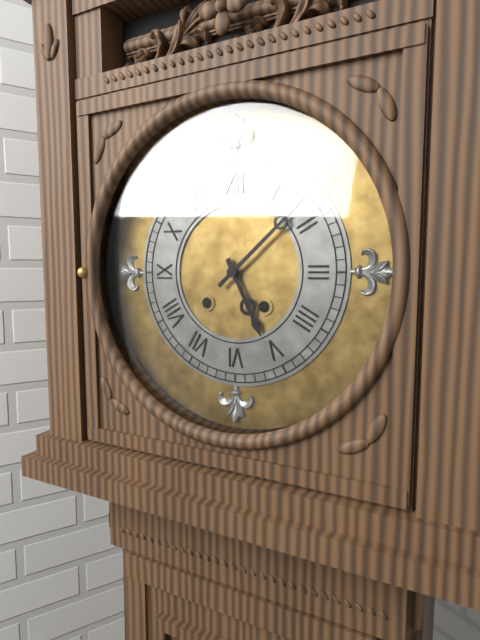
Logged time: h=5 m=8
